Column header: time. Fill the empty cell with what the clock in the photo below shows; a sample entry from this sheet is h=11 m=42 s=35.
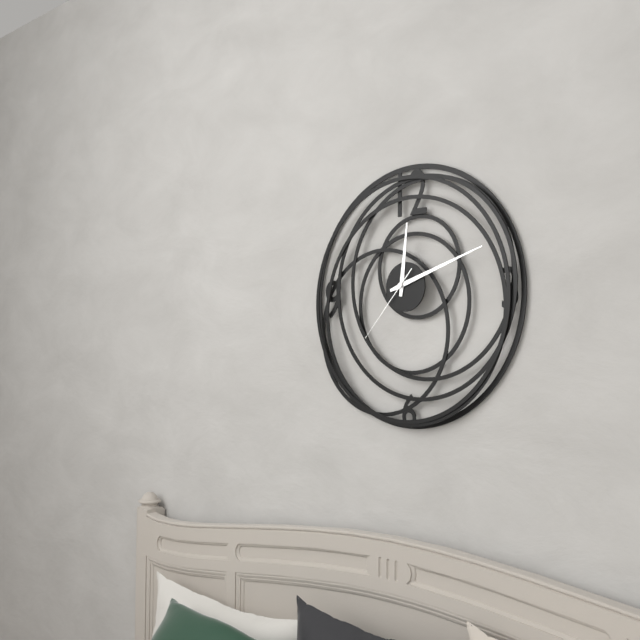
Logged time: h=12 m=12 s=37
